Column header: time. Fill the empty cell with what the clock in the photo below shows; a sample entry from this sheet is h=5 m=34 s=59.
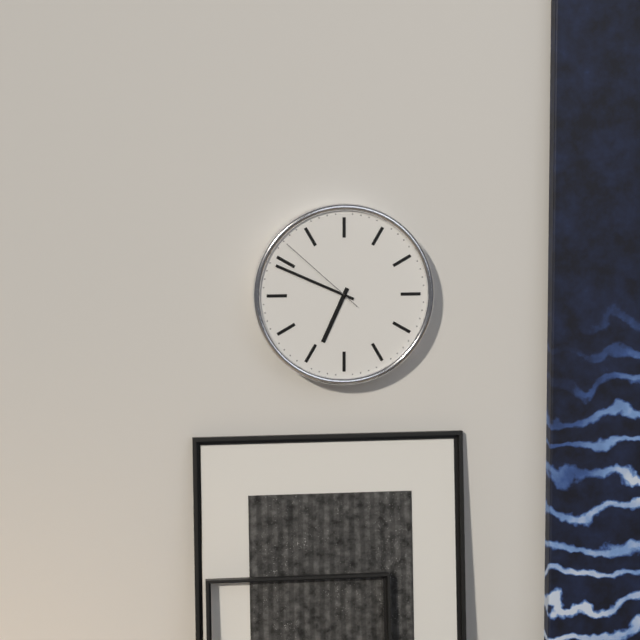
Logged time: h=6 m=49 s=52
